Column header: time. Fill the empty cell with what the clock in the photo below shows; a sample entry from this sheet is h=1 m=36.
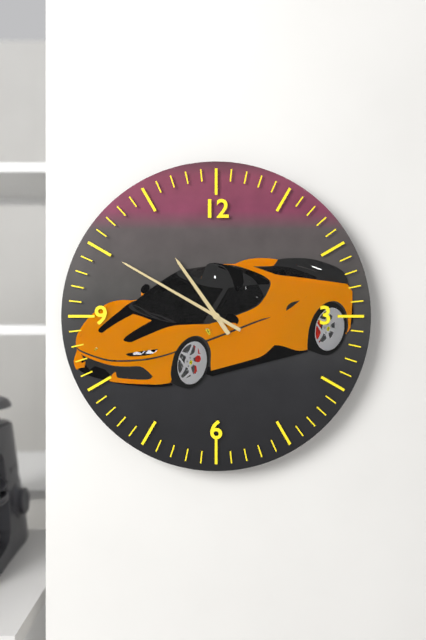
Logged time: h=10 m=50
